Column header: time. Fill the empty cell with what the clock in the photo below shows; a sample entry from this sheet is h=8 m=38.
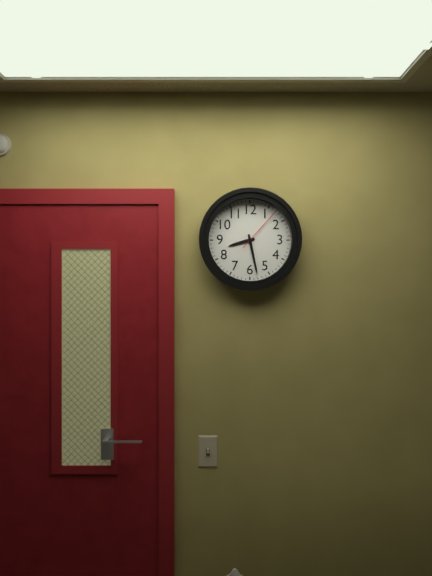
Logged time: h=8 m=28
